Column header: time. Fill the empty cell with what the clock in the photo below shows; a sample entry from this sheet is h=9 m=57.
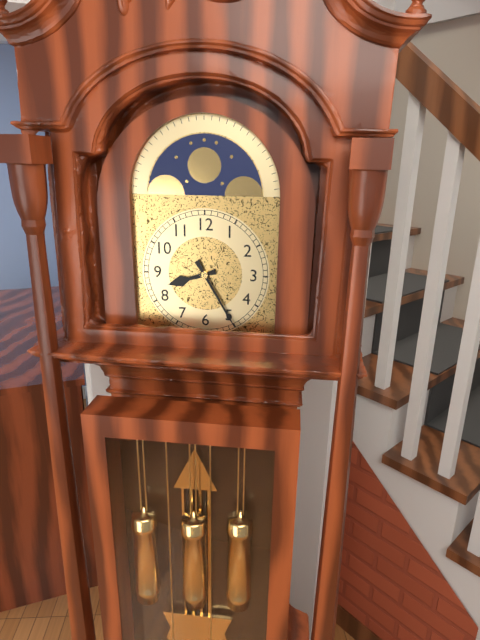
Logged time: h=8 m=25
